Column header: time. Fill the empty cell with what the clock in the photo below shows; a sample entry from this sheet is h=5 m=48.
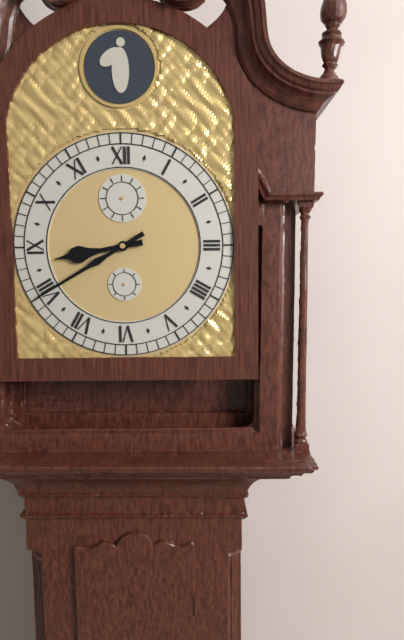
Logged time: h=8 m=40
